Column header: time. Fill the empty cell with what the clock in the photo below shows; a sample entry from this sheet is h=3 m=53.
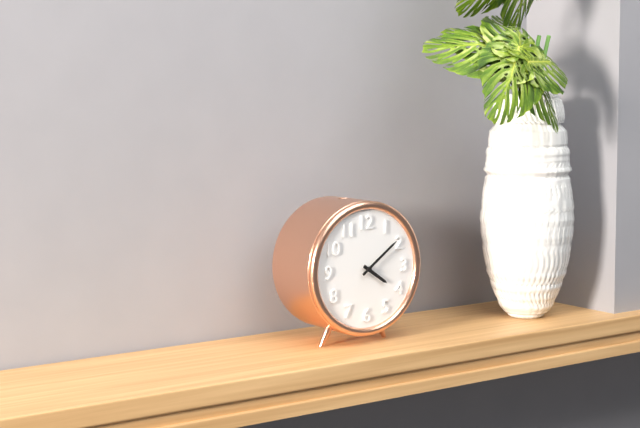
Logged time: h=4 m=9
